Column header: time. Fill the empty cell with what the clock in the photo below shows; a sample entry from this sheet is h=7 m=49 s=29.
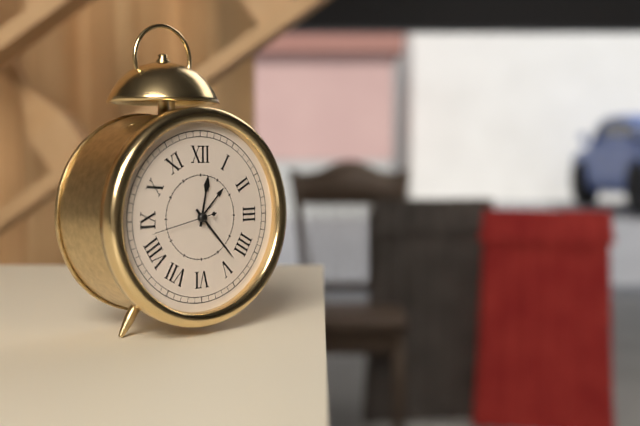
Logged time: h=12 m=23 s=43
